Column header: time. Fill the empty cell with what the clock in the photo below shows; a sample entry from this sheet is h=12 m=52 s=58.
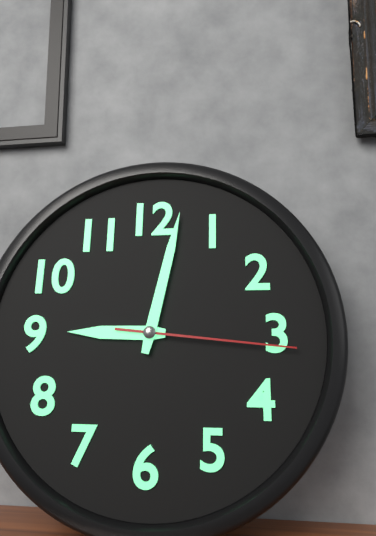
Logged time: h=9 m=2 s=16
